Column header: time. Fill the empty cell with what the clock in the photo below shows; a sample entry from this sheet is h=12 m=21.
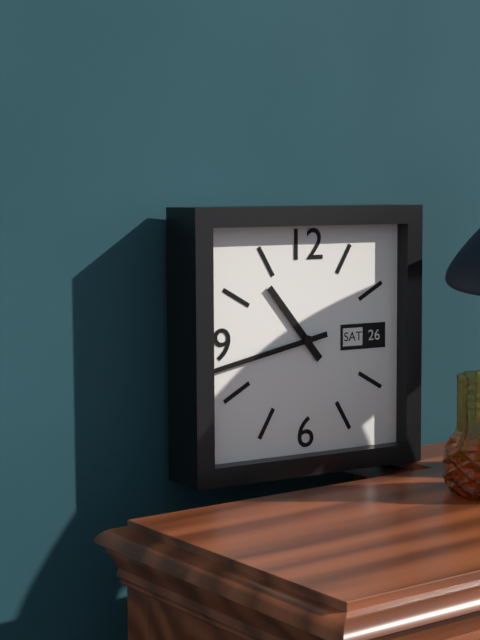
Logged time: h=10 m=43
